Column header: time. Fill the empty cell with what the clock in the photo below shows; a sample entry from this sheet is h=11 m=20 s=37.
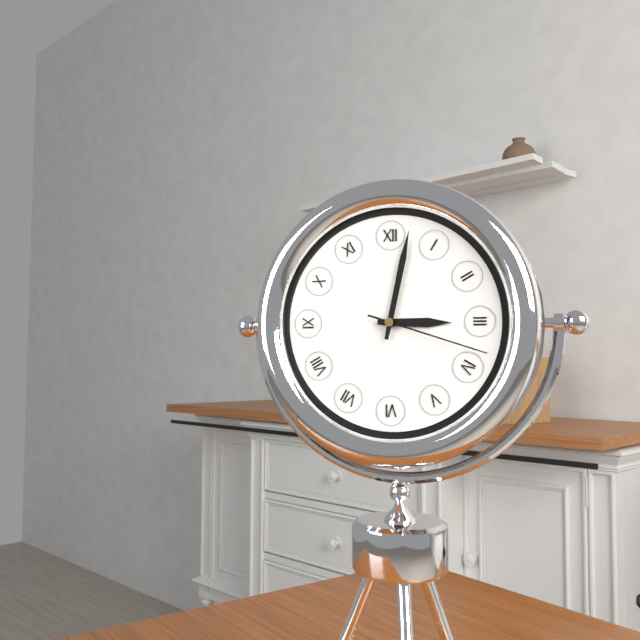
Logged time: h=3 m=2 s=18
